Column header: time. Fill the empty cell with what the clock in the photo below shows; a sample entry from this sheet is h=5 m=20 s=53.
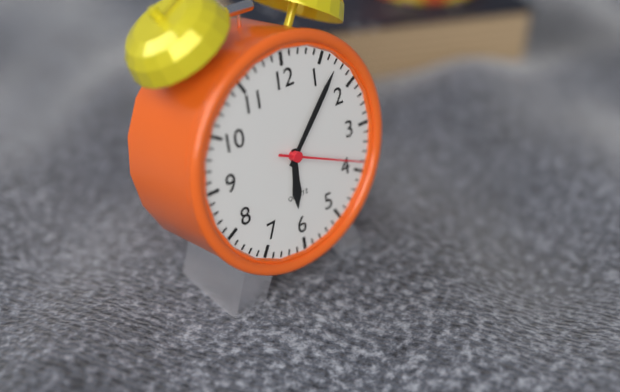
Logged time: h=6 m=7 s=19
